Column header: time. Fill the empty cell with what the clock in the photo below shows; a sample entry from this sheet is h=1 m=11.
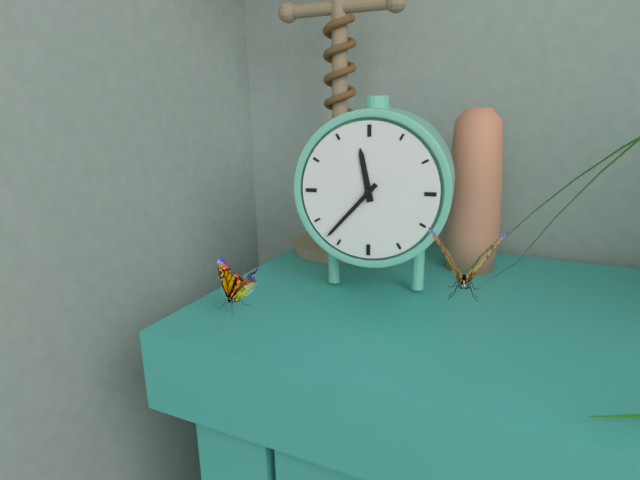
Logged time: h=11 m=37
